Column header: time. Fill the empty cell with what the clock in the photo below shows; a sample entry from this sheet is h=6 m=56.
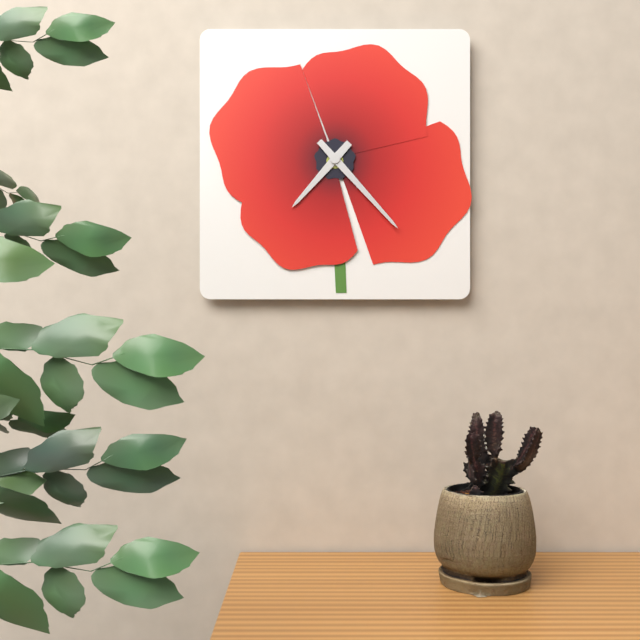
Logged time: h=7 m=23
